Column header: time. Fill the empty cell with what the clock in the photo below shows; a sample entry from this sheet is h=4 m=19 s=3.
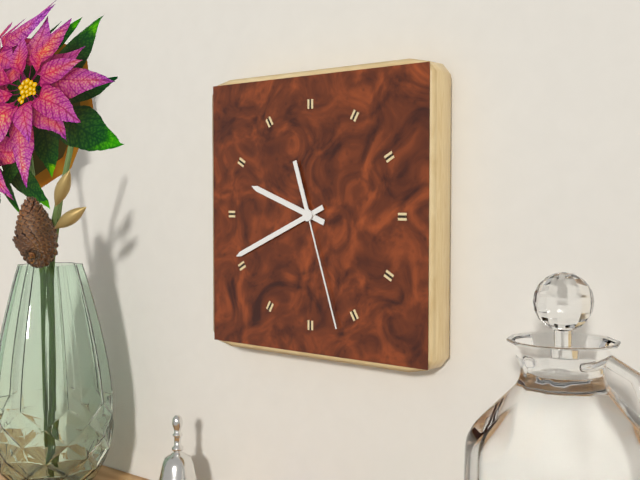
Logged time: h=9 m=41 s=27
